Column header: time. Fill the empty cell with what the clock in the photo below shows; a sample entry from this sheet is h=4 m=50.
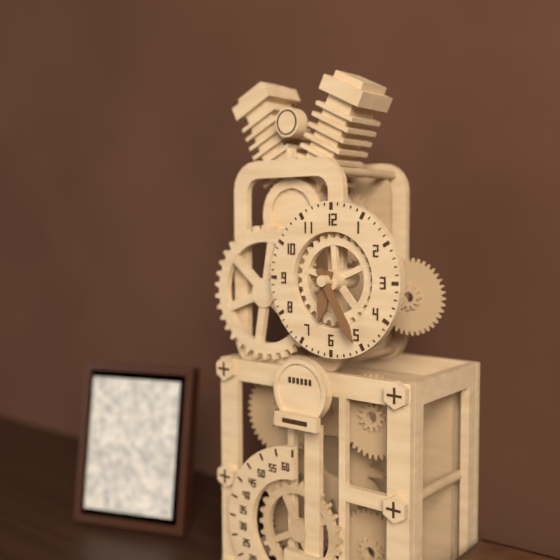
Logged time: h=6 m=25
